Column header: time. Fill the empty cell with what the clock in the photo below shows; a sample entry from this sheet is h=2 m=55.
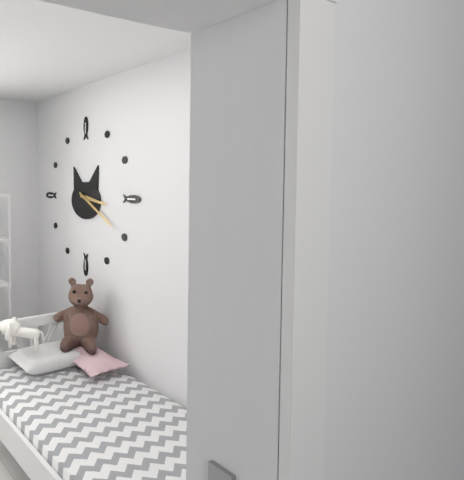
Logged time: h=3 m=20
